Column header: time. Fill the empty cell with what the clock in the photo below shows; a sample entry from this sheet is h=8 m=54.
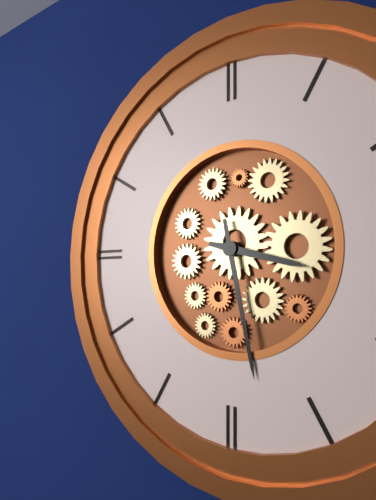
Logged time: h=3 m=28
